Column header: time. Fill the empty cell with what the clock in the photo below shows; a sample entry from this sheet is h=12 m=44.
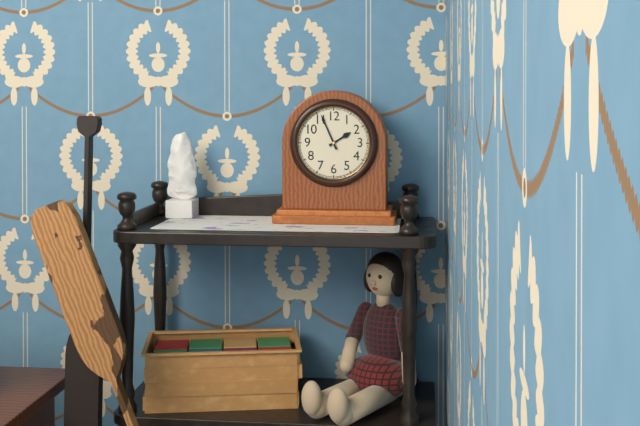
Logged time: h=1 m=56
